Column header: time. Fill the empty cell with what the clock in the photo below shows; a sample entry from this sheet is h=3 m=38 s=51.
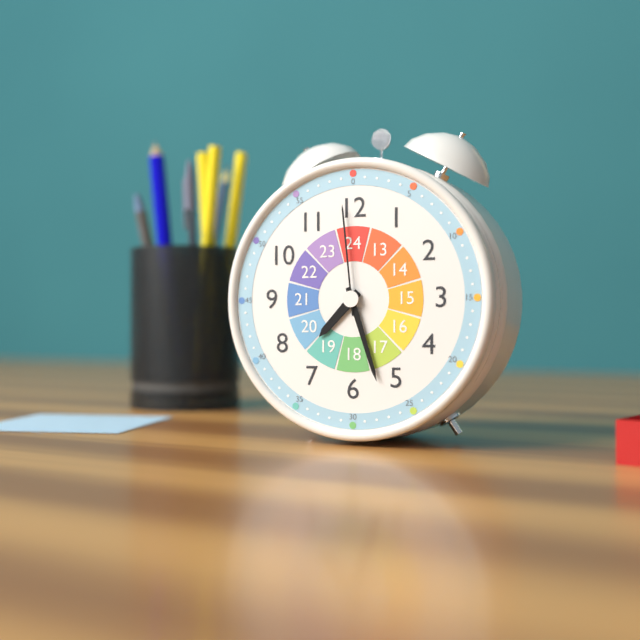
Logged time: h=7 m=27 s=59
